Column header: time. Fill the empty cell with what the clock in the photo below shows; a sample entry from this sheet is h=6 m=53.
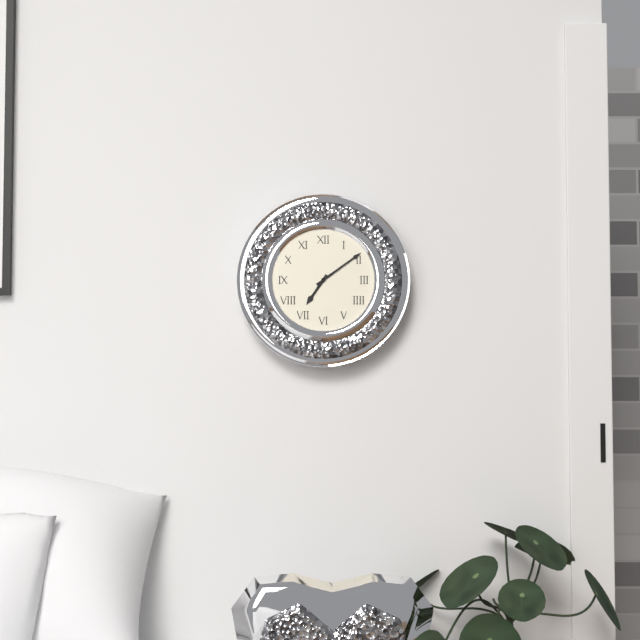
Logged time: h=7 m=9
